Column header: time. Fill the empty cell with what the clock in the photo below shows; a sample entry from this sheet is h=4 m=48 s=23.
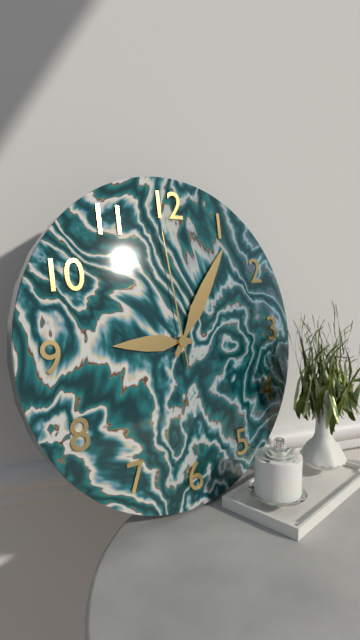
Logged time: h=9 m=6 s=59
